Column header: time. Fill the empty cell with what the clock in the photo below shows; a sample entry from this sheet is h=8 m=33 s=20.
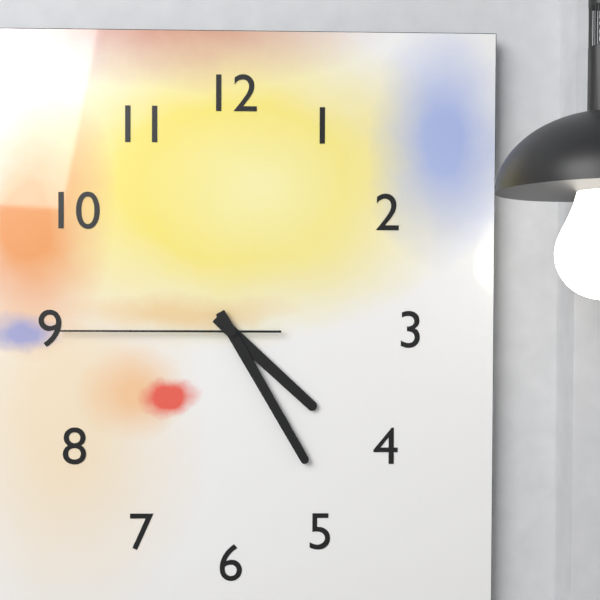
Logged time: h=4 m=25 s=45
